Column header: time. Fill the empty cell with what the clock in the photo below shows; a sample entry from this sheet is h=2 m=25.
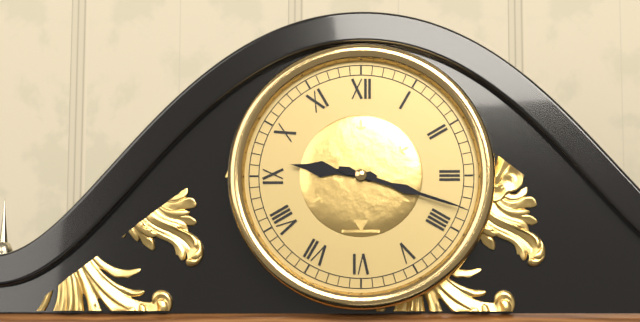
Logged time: h=9 m=18
